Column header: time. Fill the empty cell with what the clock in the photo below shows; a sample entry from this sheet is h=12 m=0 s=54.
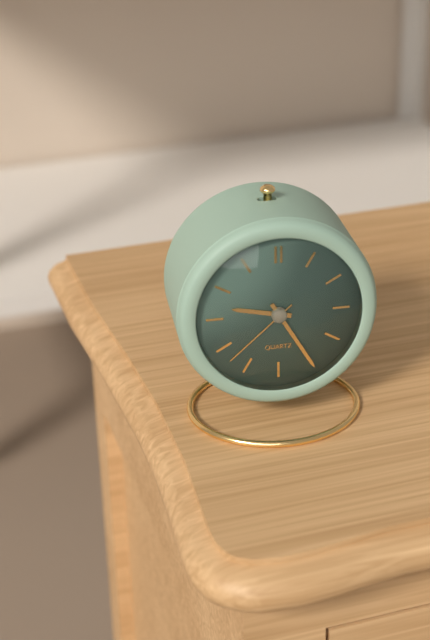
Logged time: h=9 m=25 s=38
